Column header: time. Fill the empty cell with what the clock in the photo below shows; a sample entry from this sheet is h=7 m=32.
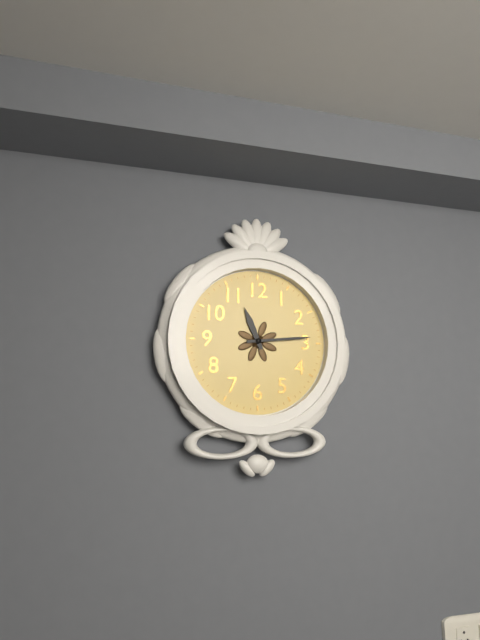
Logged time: h=11 m=14
